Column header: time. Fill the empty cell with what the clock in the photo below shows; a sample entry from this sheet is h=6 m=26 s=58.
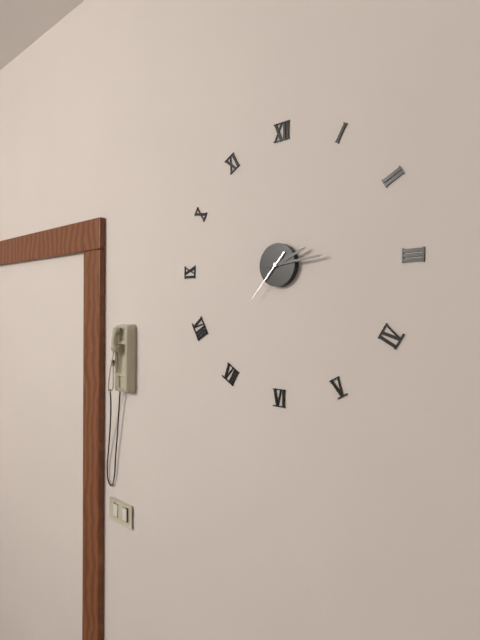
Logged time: h=2 m=14 s=37
